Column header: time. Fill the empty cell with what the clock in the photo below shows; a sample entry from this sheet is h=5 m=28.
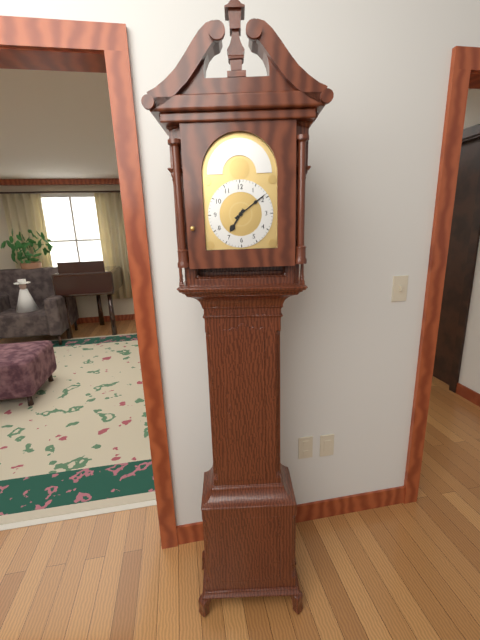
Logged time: h=7 m=9
